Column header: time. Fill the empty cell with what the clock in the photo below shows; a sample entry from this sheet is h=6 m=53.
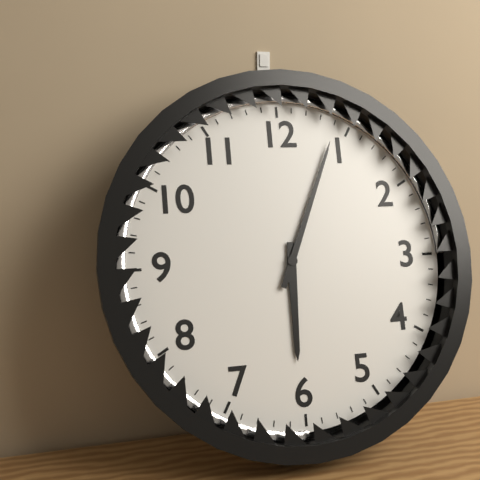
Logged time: h=6 m=4
